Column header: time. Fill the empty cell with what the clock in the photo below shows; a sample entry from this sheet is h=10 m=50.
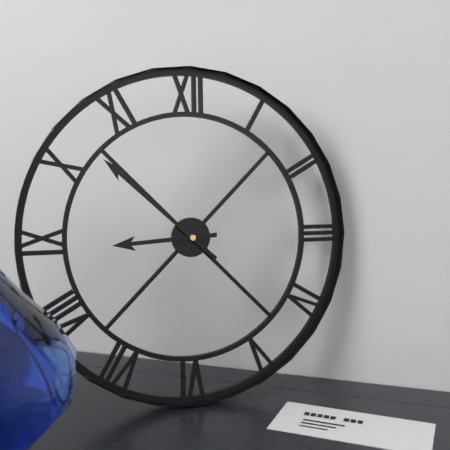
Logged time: h=8 m=52
